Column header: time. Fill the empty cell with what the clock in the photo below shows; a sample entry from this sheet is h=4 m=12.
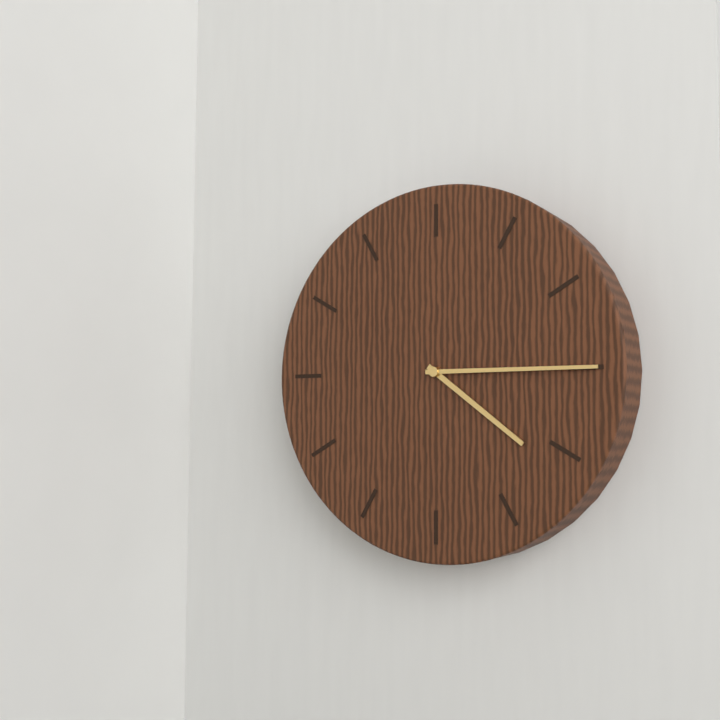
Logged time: h=4 m=15
